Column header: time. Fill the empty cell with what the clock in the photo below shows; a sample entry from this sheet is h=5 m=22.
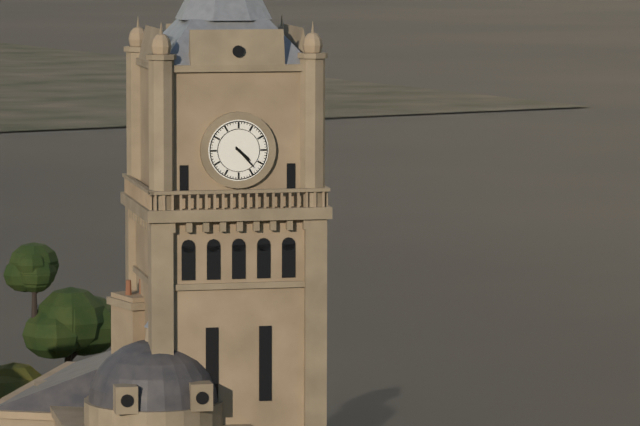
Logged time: h=4 m=23
